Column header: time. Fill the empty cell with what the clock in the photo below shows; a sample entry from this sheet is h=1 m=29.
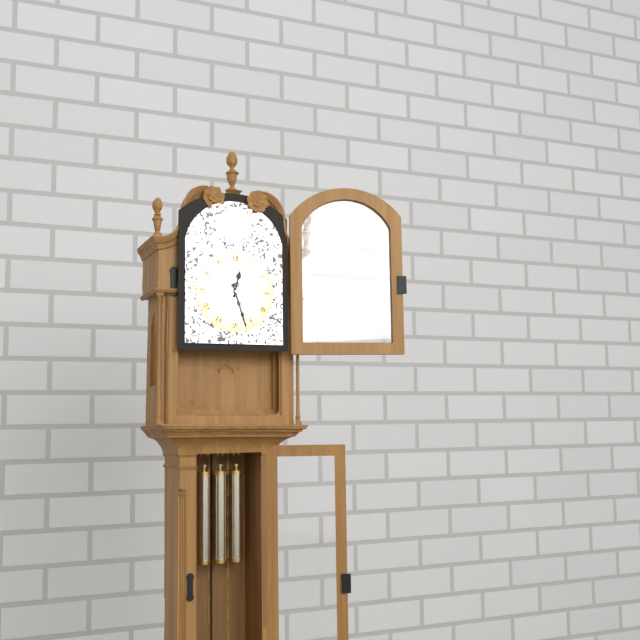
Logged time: h=12 m=27
